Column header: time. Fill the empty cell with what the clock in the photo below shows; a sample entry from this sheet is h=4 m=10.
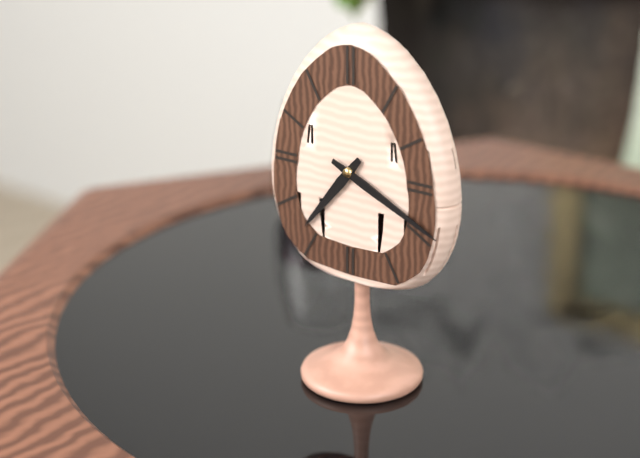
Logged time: h=7 m=19
